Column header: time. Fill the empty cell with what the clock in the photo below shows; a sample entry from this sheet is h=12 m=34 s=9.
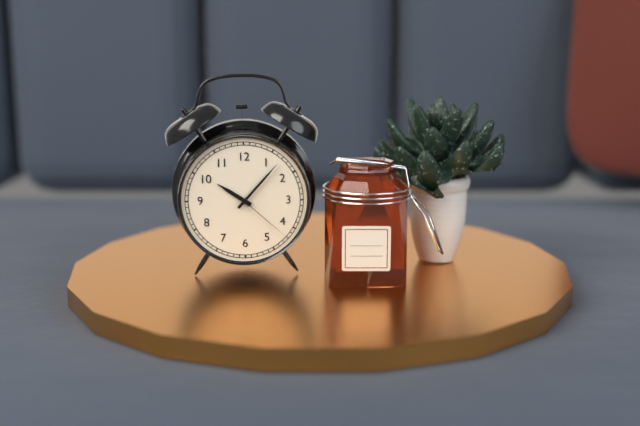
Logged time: h=10 m=7 s=22
